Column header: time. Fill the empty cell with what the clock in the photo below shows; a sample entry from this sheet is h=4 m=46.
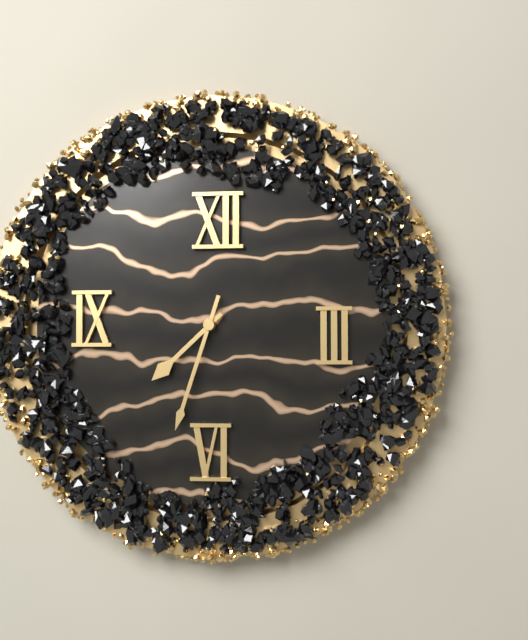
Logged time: h=7 m=33
